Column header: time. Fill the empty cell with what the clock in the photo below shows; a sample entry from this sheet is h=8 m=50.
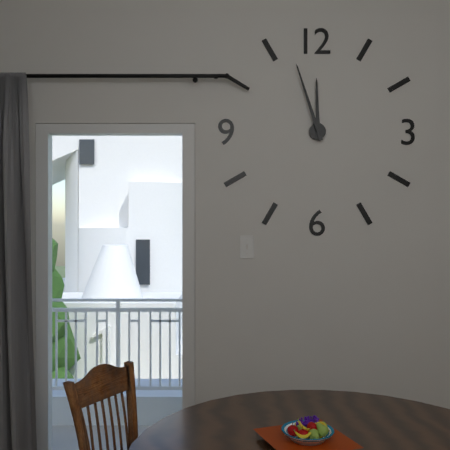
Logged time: h=11 m=57
